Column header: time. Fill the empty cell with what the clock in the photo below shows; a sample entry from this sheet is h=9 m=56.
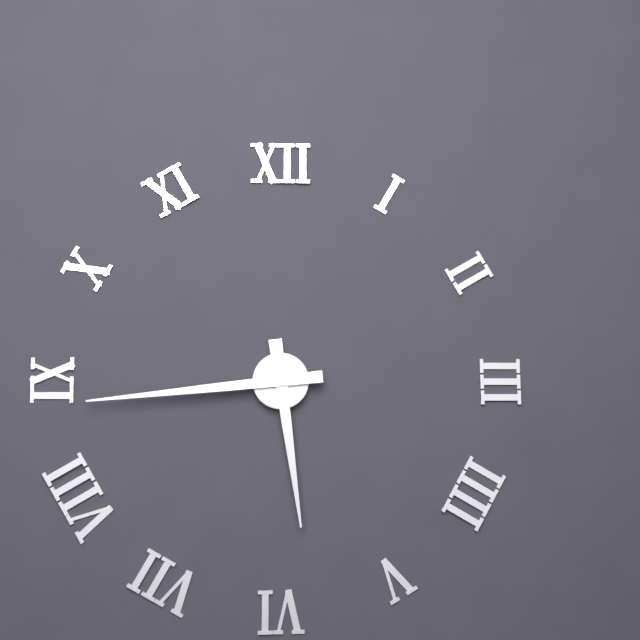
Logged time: h=5 m=44
